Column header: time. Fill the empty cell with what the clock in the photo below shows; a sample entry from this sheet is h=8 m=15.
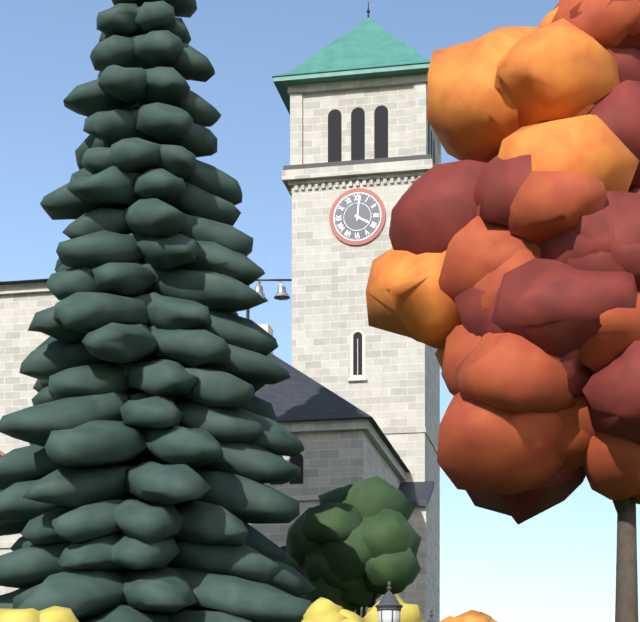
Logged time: h=4 m=1
